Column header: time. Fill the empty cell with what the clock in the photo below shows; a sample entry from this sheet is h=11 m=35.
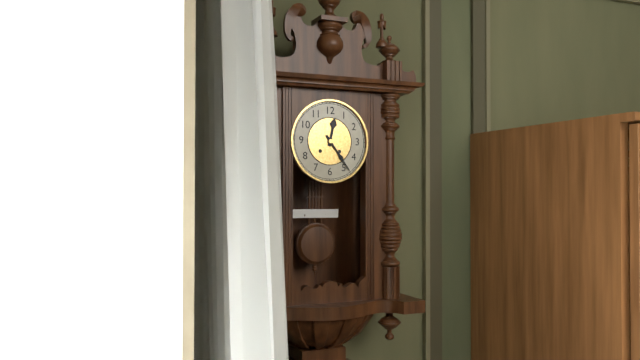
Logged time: h=12 m=24
